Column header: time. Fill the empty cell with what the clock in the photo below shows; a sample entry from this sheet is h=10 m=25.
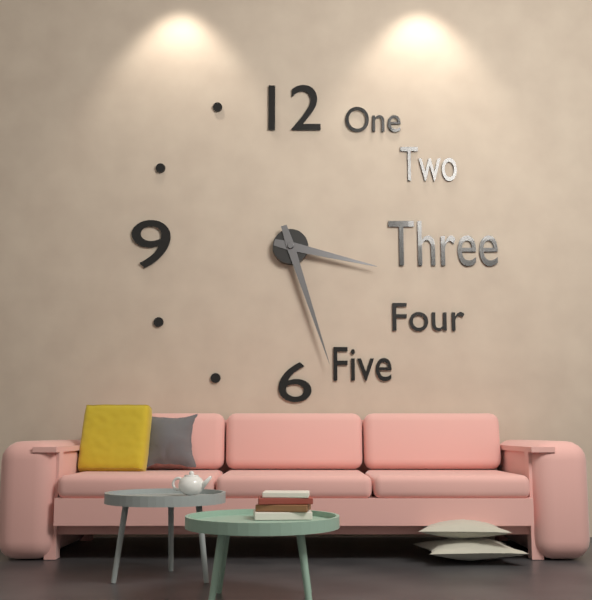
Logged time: h=3 m=27
